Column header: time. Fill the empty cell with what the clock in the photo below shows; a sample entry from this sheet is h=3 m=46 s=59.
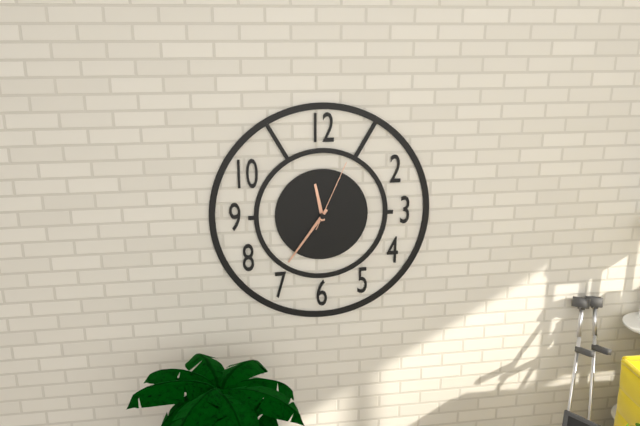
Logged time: h=11 m=36 s=4
